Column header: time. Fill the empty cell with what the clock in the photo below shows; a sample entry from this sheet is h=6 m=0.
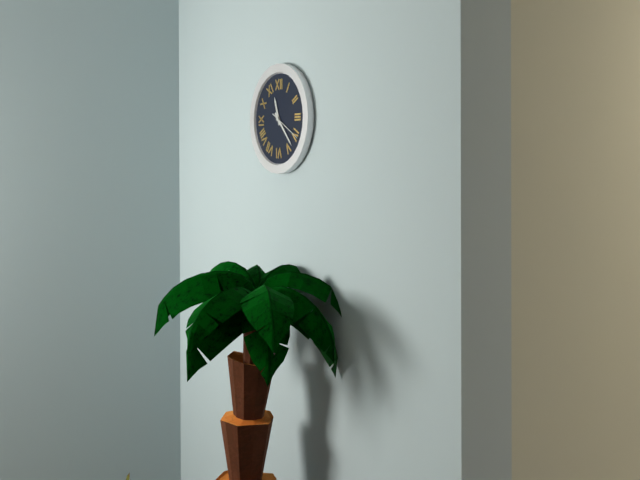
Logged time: h=11 m=23
